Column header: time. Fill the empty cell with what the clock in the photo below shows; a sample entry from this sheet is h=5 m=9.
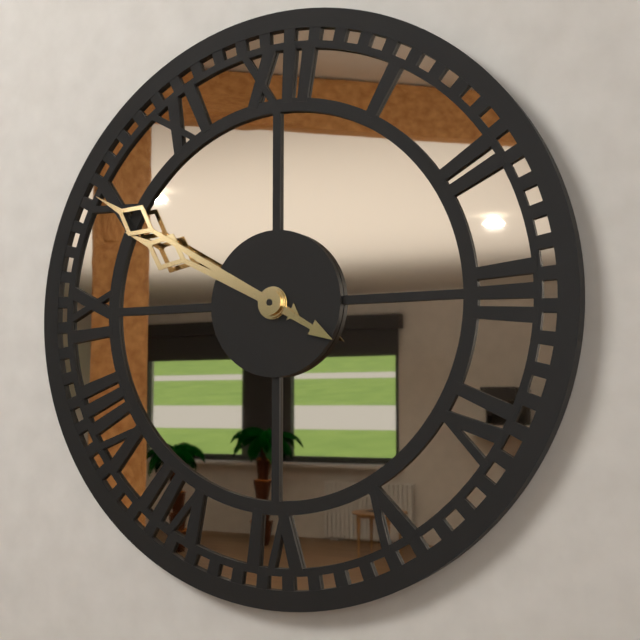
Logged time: h=9 m=50
